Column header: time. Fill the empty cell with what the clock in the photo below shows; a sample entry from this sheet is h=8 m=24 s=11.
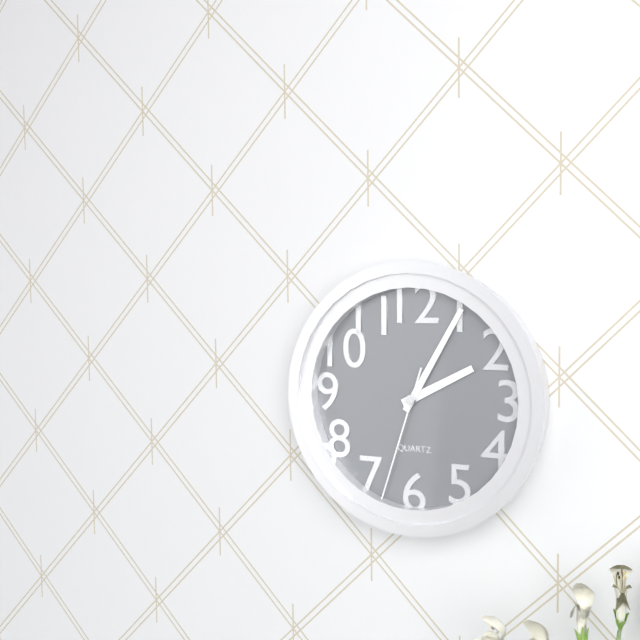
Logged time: h=2 m=5 s=33
